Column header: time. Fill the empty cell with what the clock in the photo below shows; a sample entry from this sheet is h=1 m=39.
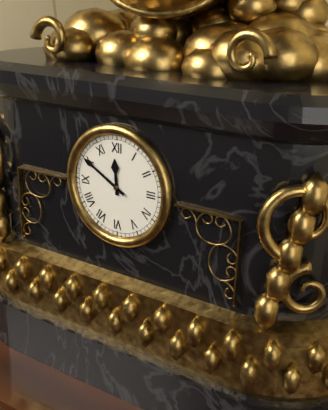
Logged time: h=11 m=50
